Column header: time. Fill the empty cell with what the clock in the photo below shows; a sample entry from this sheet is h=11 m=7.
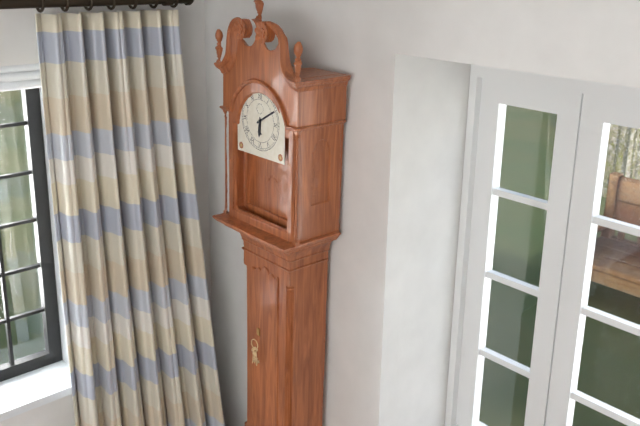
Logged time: h=6 m=10
